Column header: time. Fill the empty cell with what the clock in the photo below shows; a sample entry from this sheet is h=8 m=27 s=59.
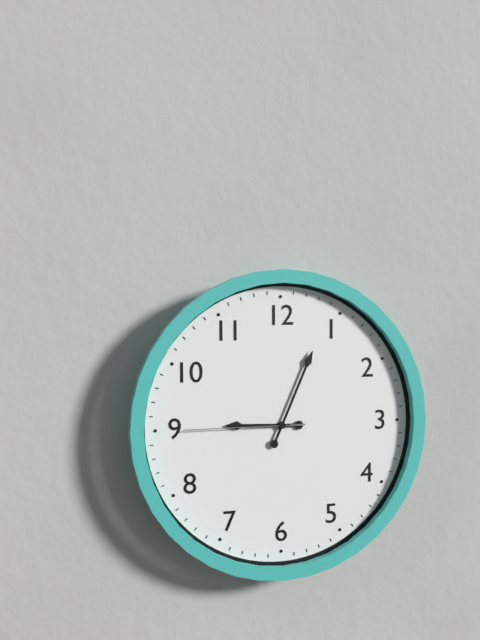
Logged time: h=9 m=4 s=45
